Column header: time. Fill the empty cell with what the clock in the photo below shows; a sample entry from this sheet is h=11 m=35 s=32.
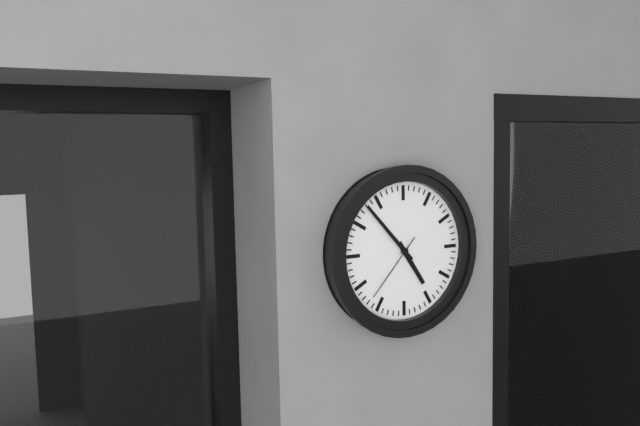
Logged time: h=4 m=53 s=37
